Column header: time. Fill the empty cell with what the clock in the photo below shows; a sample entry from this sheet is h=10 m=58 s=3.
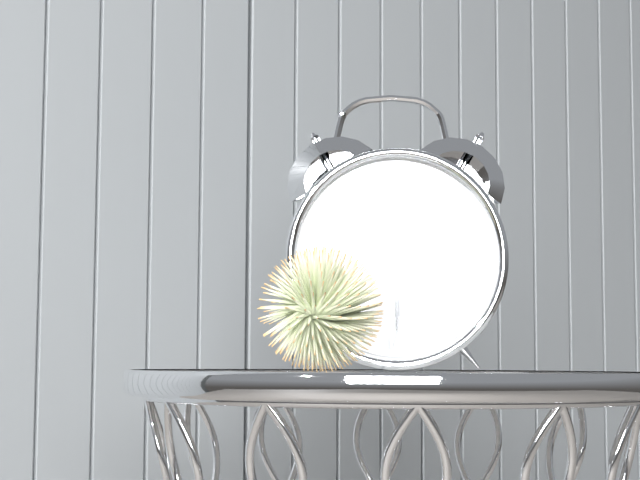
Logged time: h=7 m=30 s=57
